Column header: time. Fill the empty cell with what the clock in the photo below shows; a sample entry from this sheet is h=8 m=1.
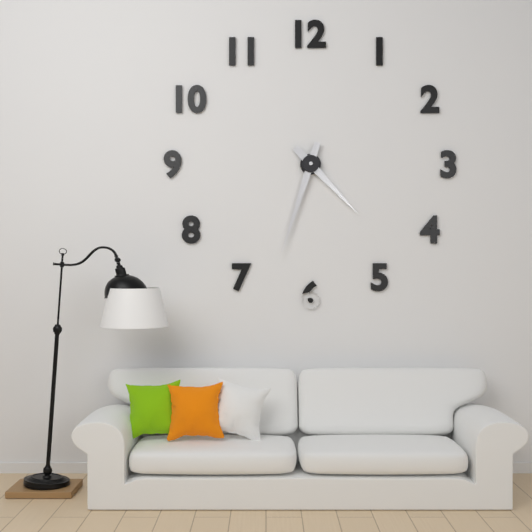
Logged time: h=4 m=33
